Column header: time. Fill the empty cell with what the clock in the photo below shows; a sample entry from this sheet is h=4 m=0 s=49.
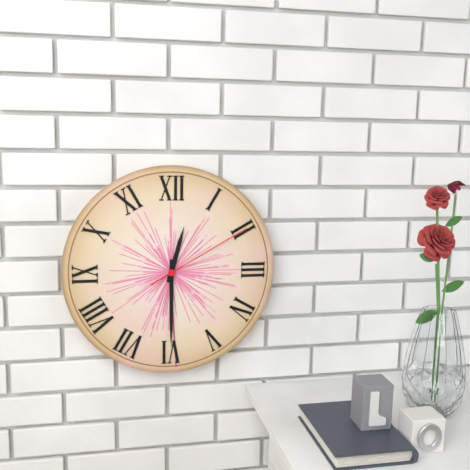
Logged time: h=12 m=30 s=10
